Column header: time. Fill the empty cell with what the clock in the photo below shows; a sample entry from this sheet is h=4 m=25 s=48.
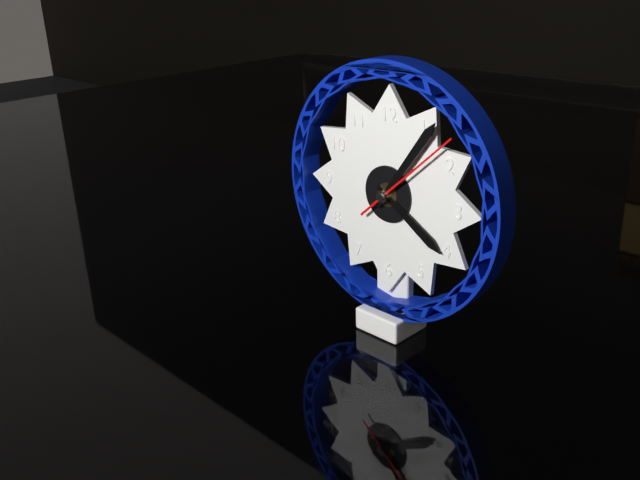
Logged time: h=4 m=6 s=8
